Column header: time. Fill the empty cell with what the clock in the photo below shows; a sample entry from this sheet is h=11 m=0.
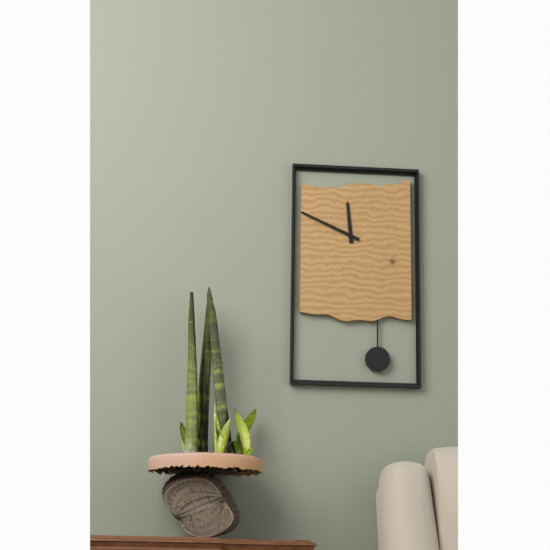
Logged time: h=11 m=49
